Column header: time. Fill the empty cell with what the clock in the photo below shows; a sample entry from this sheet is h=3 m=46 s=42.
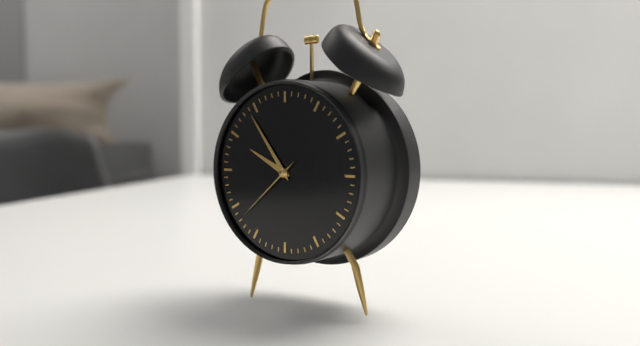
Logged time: h=9 m=54 s=38
